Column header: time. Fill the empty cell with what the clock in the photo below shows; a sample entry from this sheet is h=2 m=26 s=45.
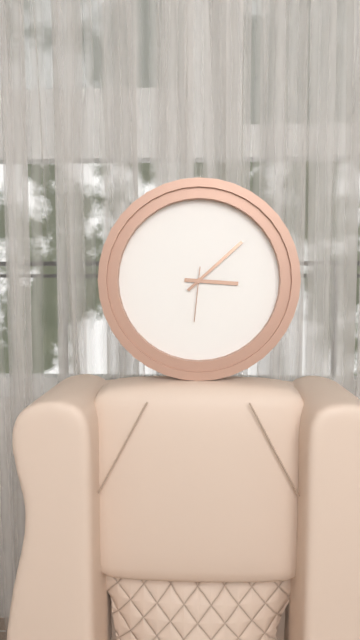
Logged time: h=3 m=8 s=31
